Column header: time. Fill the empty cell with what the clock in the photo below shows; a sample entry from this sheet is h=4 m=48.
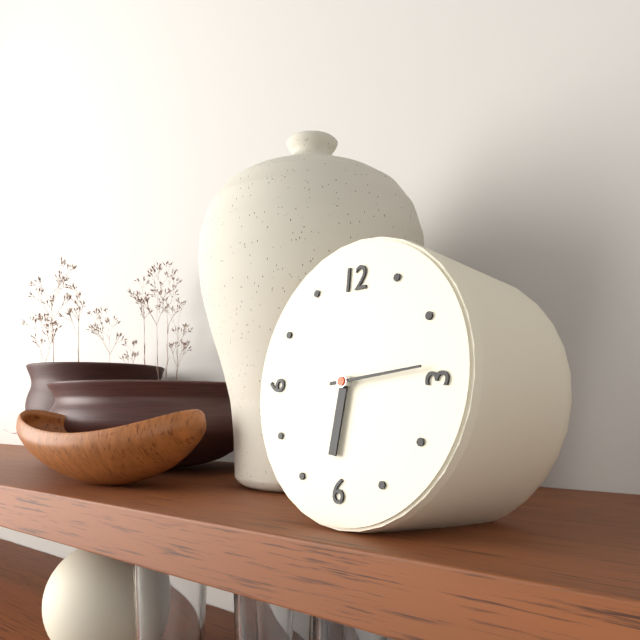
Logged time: h=6 m=14
